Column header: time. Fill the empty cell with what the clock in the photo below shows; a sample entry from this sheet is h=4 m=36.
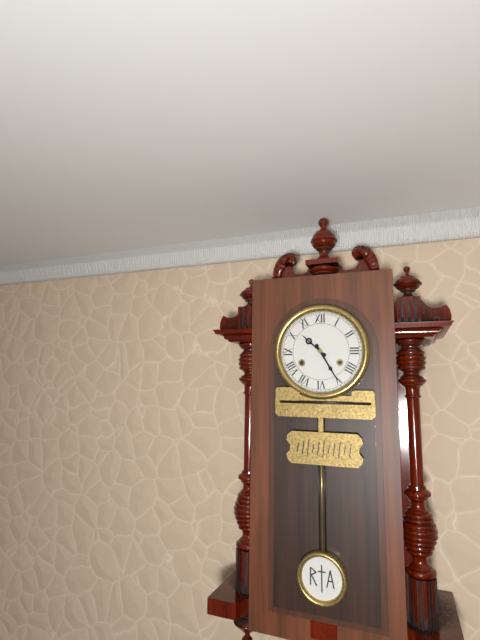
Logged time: h=10 m=25
